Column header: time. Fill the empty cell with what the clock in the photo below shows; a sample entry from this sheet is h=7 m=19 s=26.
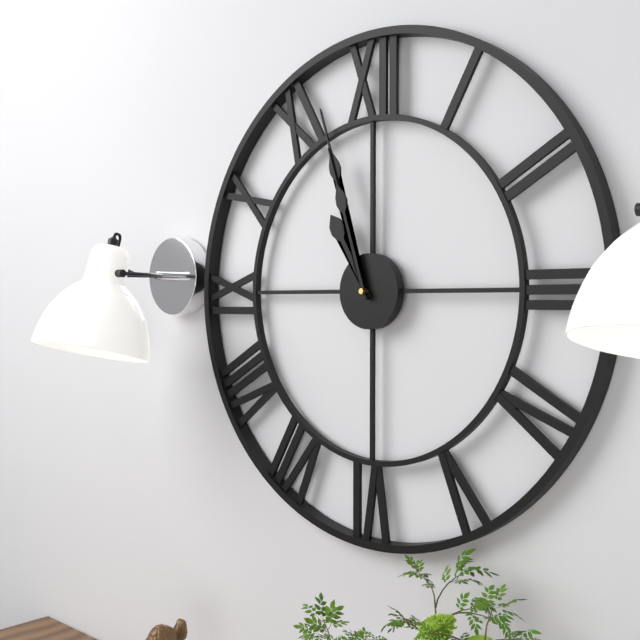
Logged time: h=10 m=57 s=57
